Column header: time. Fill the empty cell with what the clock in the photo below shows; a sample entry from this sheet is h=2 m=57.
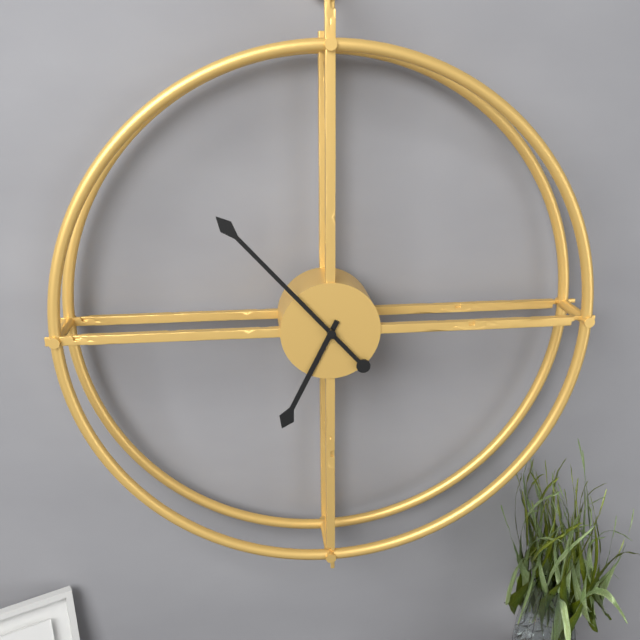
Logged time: h=6 m=53
